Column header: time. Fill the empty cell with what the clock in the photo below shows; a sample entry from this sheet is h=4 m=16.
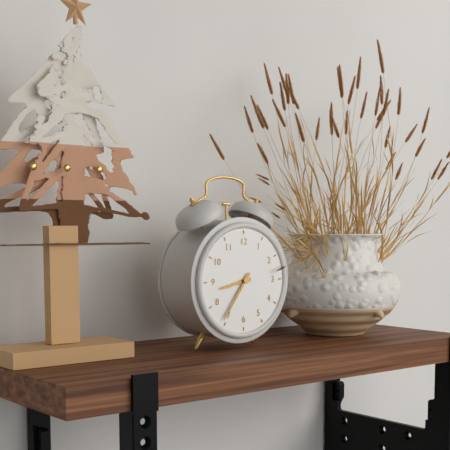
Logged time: h=8 m=36
